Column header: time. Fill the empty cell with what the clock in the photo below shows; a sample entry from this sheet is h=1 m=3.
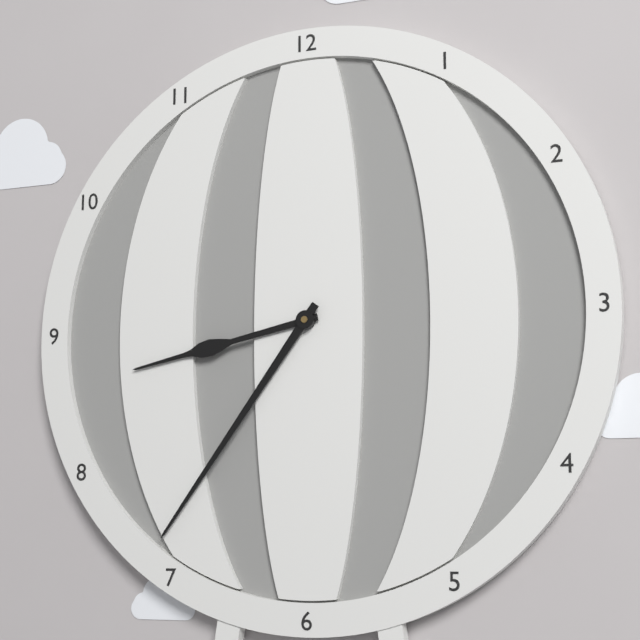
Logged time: h=8 m=36
